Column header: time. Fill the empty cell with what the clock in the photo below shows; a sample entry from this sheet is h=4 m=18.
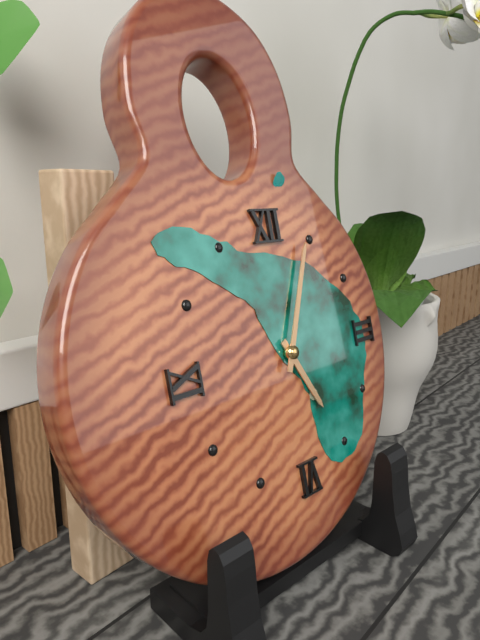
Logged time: h=5 m=4
